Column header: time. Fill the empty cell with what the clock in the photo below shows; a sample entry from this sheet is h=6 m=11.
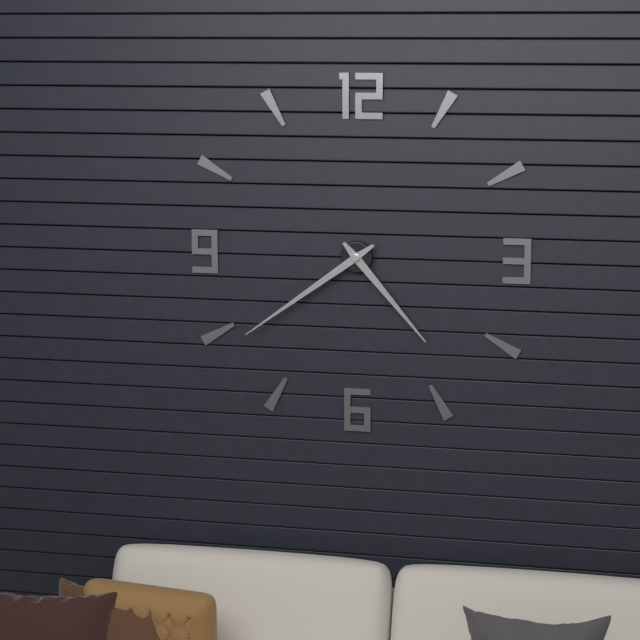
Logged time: h=4 m=39
